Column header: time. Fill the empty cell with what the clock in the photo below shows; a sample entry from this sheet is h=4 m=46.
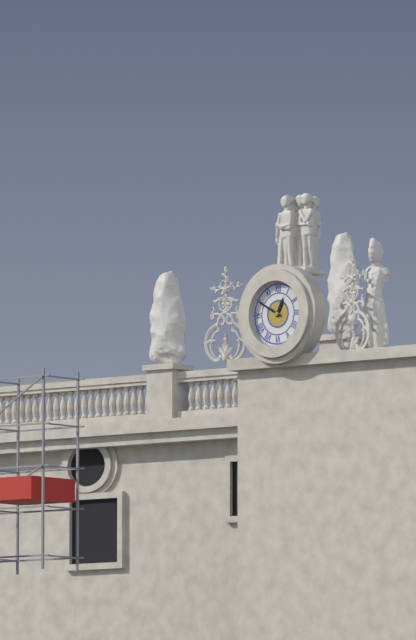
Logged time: h=12 m=50
